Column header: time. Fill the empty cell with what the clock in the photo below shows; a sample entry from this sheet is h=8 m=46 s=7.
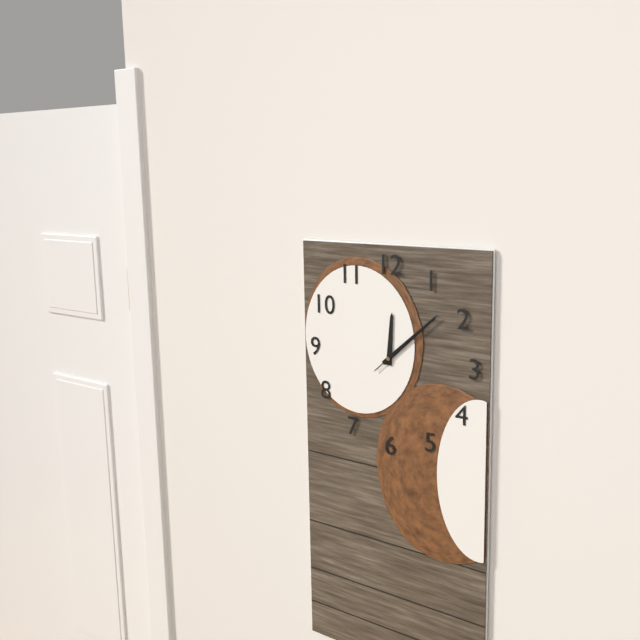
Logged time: h=12 m=8 s=8
